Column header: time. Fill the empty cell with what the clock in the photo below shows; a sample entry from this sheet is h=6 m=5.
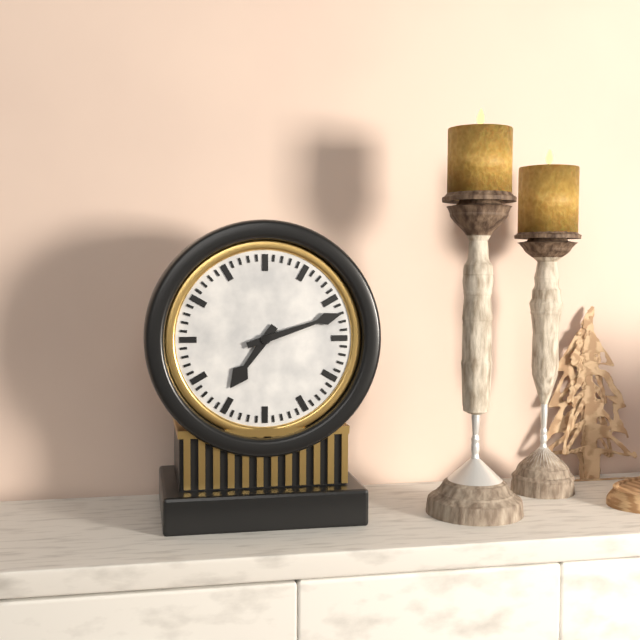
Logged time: h=7 m=12
